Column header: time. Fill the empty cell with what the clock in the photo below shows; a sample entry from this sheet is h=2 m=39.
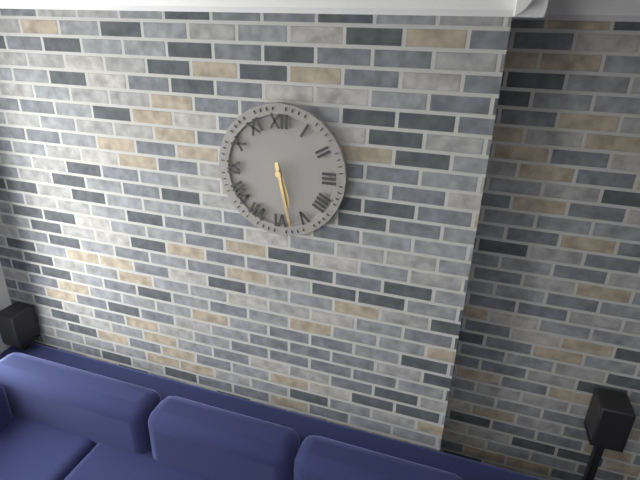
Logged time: h=5 m=28
